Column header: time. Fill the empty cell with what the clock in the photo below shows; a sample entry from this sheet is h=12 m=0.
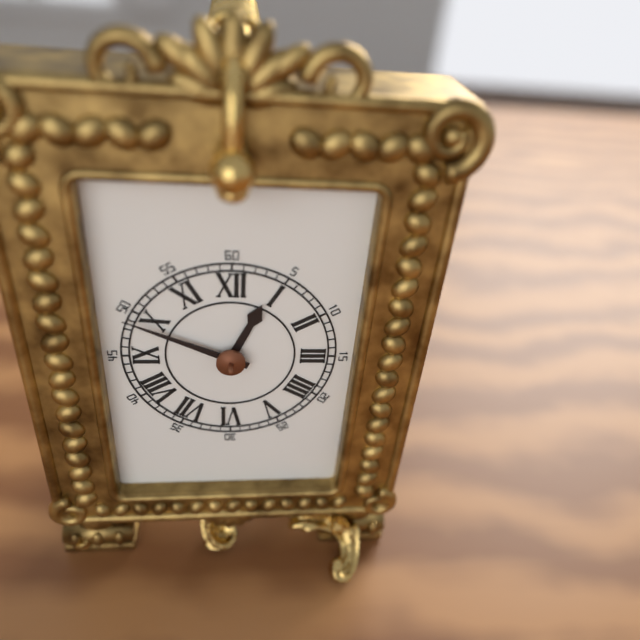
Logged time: h=12 m=49
